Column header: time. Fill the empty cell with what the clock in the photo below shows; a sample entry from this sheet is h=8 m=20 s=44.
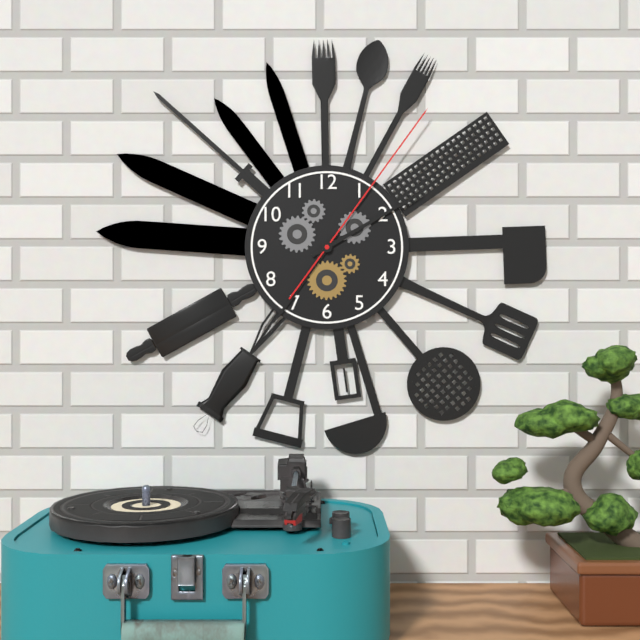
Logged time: h=7 m=10 s=6
